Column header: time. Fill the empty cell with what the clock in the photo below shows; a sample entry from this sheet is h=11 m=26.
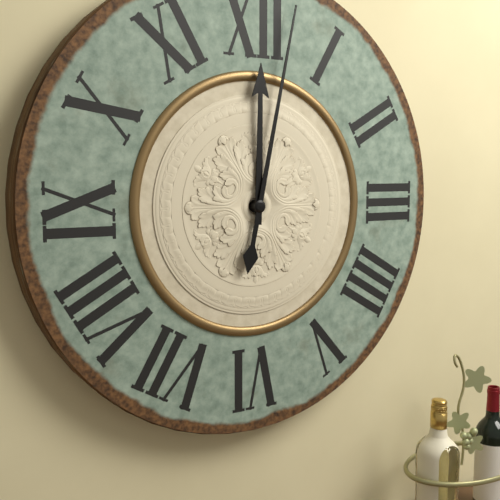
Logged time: h=12 m=2
